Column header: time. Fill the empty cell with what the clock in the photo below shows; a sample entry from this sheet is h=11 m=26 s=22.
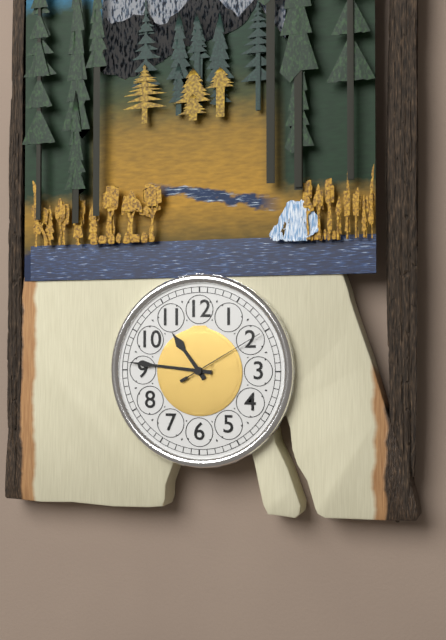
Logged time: h=10 m=46 s=10
